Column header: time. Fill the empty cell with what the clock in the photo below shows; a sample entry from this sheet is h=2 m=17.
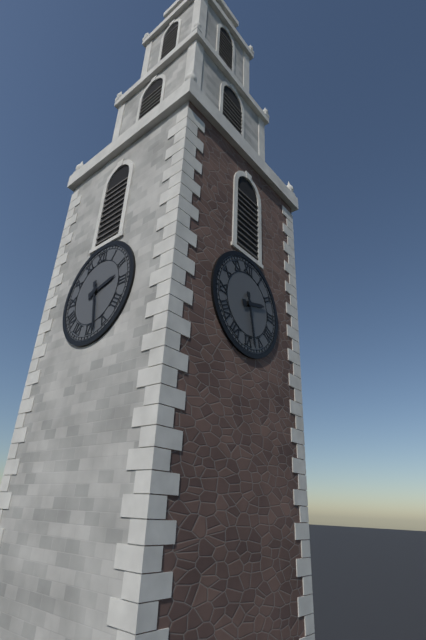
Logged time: h=2 m=28
